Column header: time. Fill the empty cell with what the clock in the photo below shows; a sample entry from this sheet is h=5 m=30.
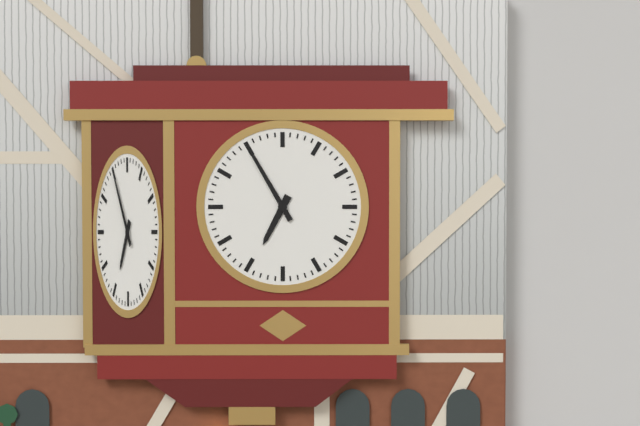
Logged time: h=6 m=55
